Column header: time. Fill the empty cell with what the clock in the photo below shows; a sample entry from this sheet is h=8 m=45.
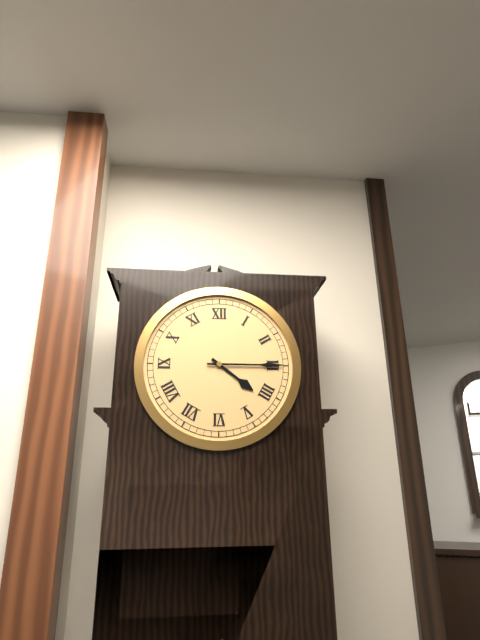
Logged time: h=4 m=15
